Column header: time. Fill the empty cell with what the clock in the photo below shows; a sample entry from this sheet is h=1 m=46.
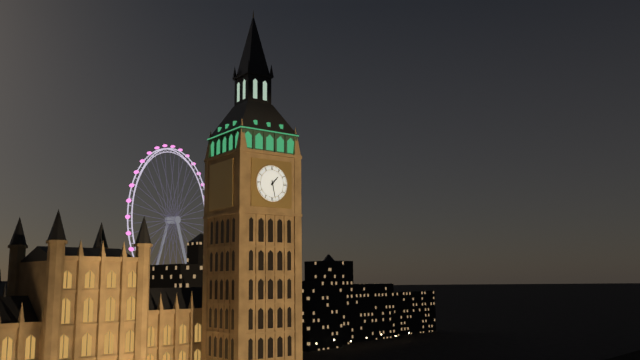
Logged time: h=1 m=28
